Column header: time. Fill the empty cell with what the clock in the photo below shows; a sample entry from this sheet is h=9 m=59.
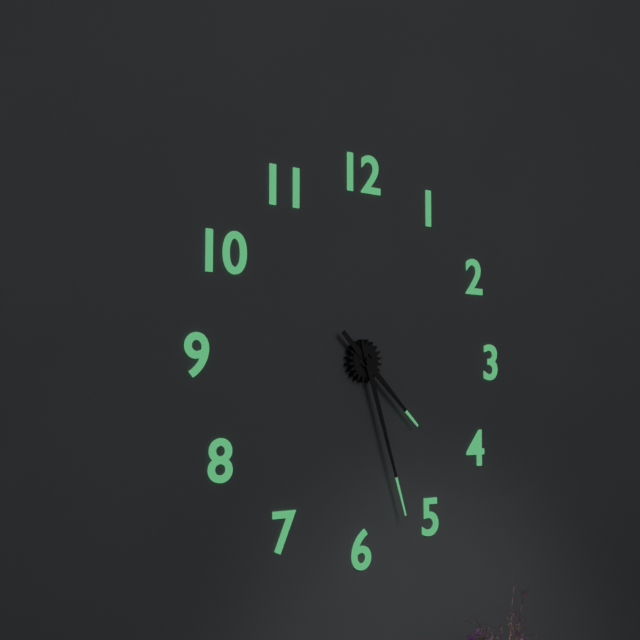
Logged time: h=4 m=27
